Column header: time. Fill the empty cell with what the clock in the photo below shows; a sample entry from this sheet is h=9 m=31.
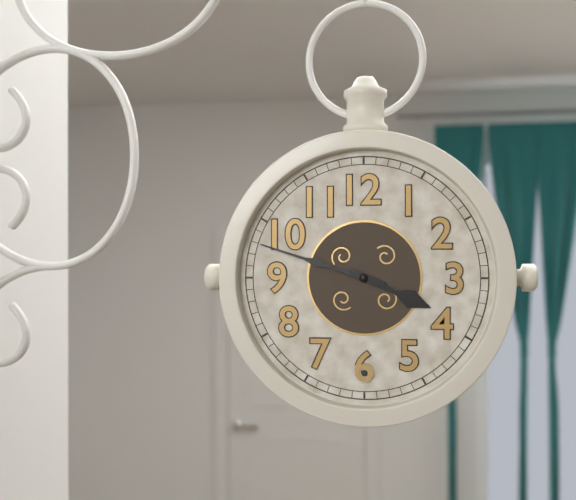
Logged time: h=3 m=48
